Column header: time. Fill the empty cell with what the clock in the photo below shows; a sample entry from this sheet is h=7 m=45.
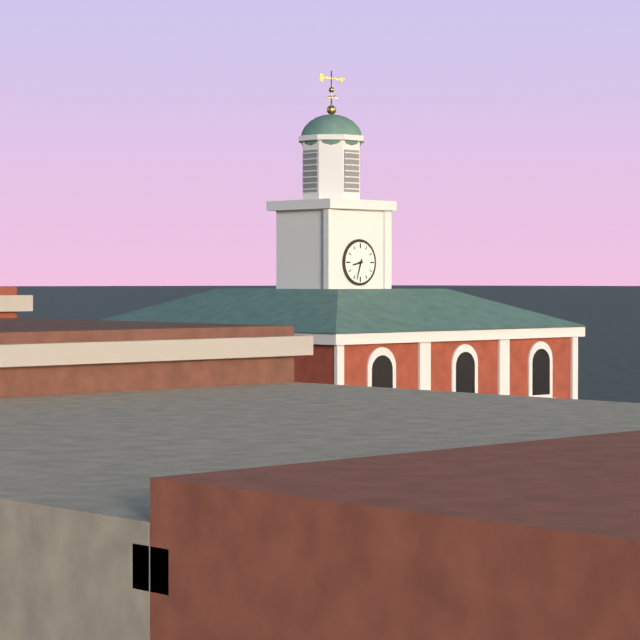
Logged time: h=8 m=33
